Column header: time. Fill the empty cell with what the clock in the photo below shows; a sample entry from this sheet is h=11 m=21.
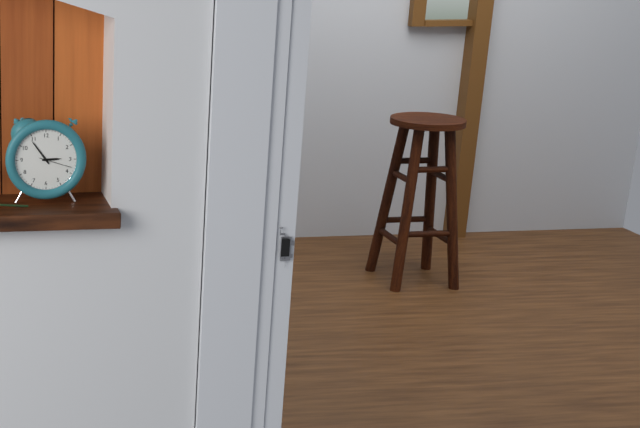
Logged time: h=2 m=54
